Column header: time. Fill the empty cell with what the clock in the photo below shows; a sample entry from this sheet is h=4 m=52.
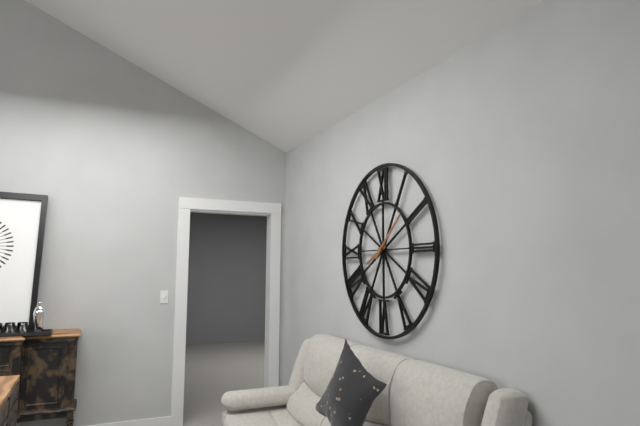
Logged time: h=8 m=8
